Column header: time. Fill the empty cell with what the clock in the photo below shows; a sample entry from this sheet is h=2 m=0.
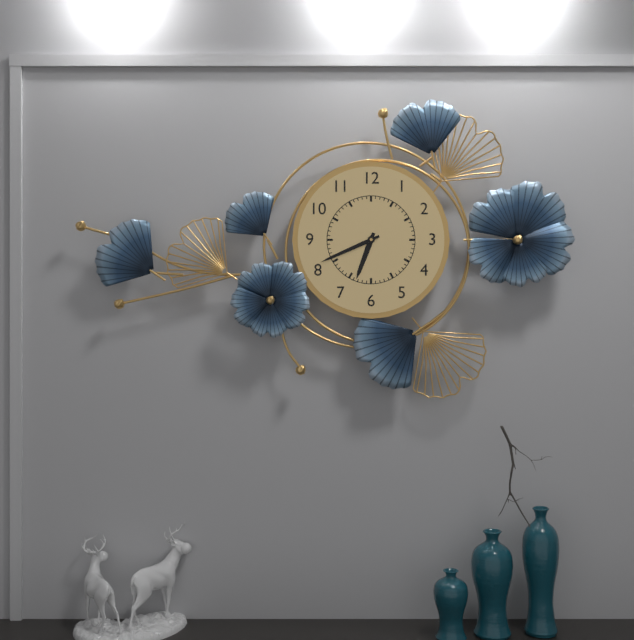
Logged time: h=6 m=41
